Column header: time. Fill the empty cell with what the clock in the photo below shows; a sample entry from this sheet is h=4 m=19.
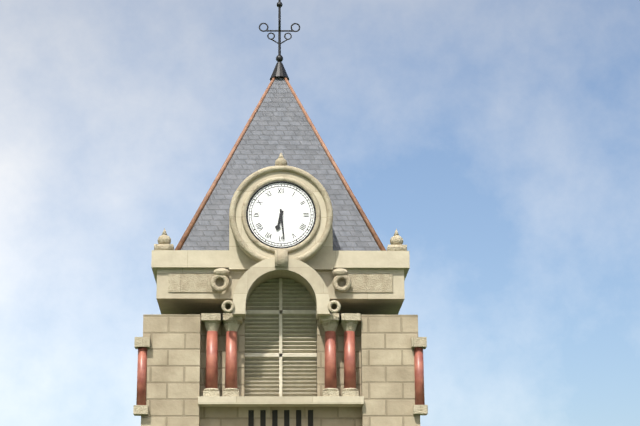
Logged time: h=6 m=29
